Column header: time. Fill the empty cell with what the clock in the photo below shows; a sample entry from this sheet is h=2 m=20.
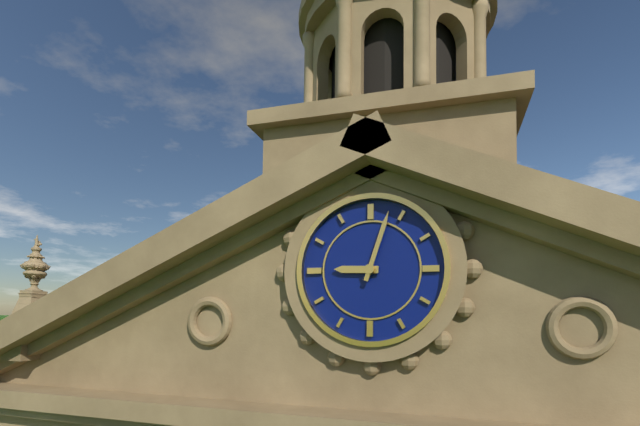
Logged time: h=9 m=3
